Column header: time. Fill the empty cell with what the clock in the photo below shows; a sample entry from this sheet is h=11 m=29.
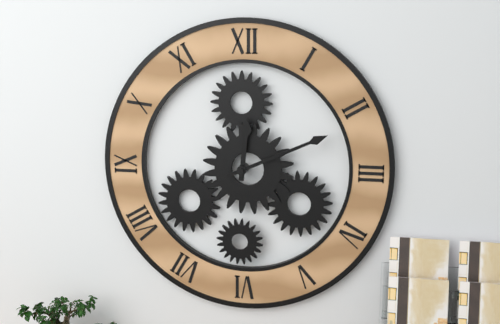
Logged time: h=12 m=11
